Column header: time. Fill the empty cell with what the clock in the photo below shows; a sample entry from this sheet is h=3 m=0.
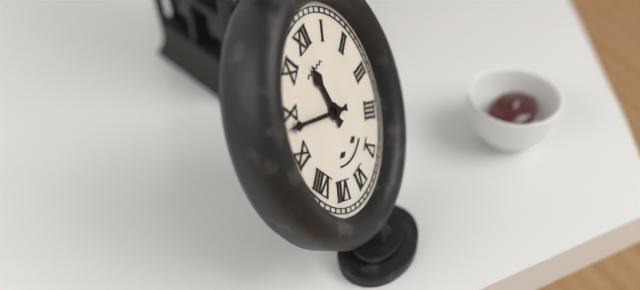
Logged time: h=11 m=49
